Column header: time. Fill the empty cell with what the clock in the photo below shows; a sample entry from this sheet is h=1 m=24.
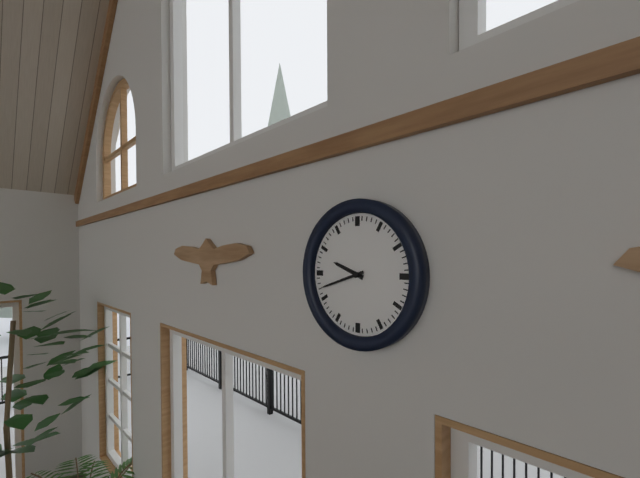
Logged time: h=9 m=42
